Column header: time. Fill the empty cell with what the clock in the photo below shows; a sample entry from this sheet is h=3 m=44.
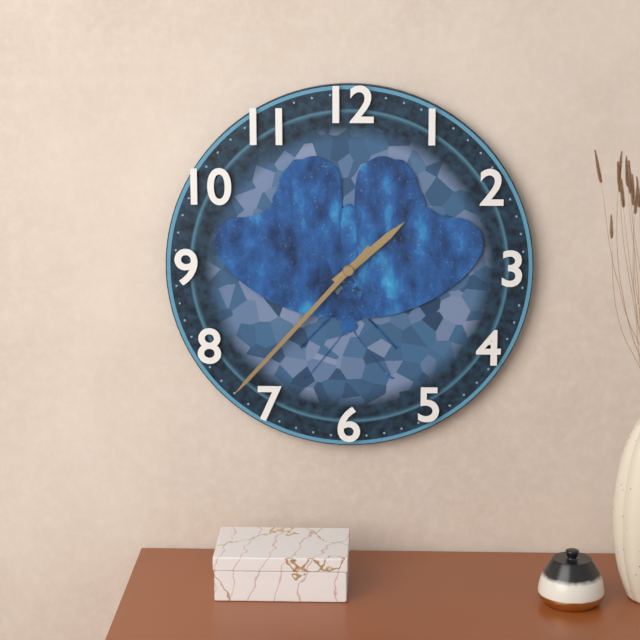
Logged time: h=1 m=37
